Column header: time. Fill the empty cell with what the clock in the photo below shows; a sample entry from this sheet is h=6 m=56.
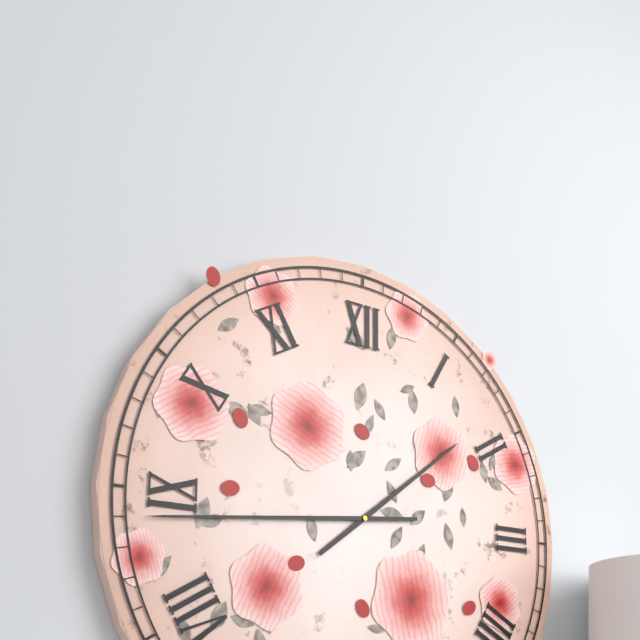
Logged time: h=1 m=44
